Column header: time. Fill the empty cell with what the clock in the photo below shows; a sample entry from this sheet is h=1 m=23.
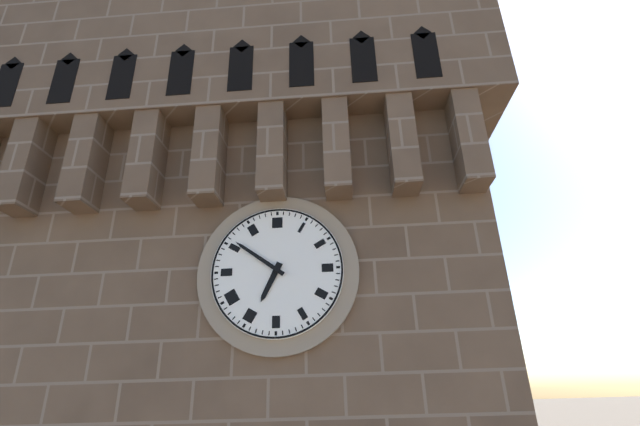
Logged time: h=6 m=51
